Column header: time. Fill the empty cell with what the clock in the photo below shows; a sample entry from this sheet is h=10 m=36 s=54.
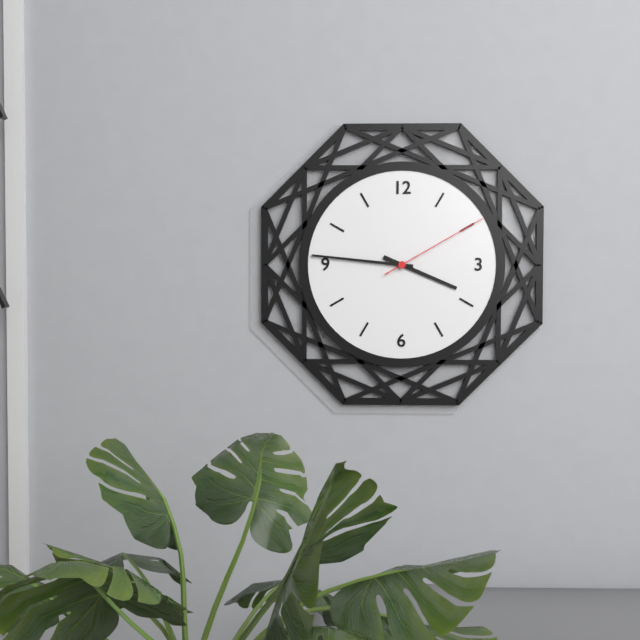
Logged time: h=3 m=46 s=10
